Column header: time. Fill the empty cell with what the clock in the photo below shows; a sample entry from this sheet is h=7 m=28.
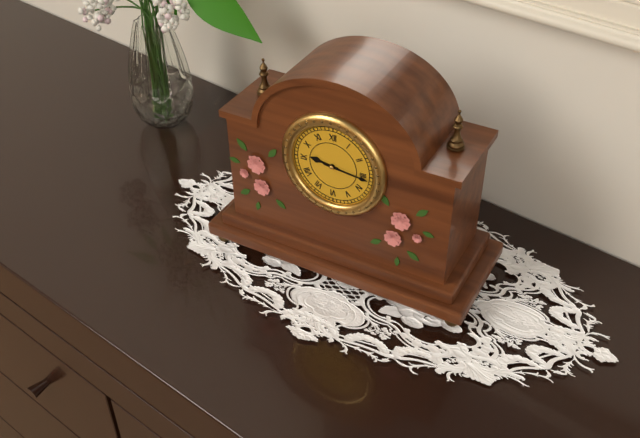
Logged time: h=9 m=16
